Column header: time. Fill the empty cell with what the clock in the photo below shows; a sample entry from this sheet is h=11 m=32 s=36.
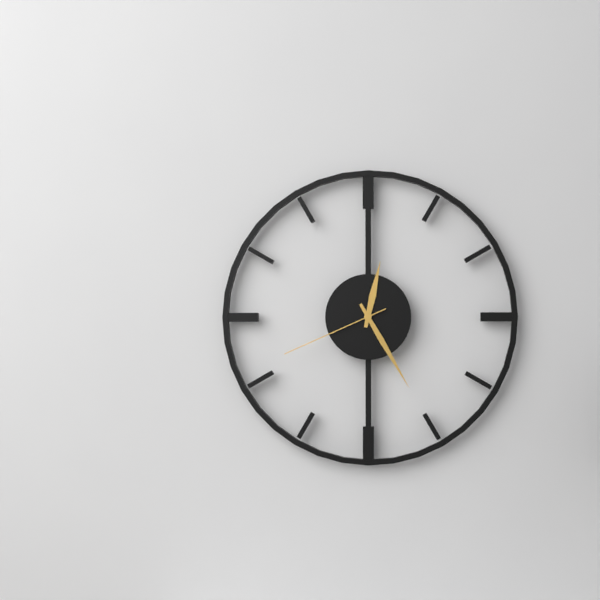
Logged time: h=12 m=25 s=41
